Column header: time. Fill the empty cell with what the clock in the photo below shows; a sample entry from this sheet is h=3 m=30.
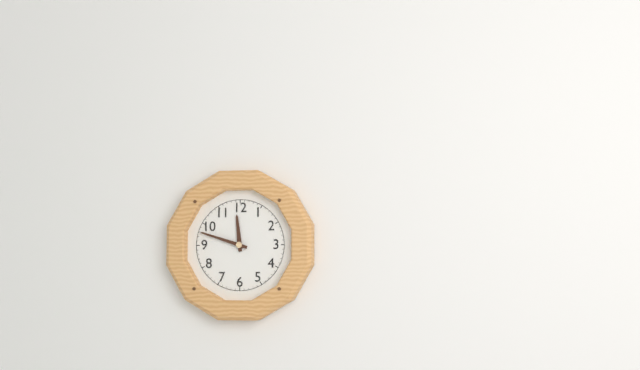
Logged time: h=11 m=48
